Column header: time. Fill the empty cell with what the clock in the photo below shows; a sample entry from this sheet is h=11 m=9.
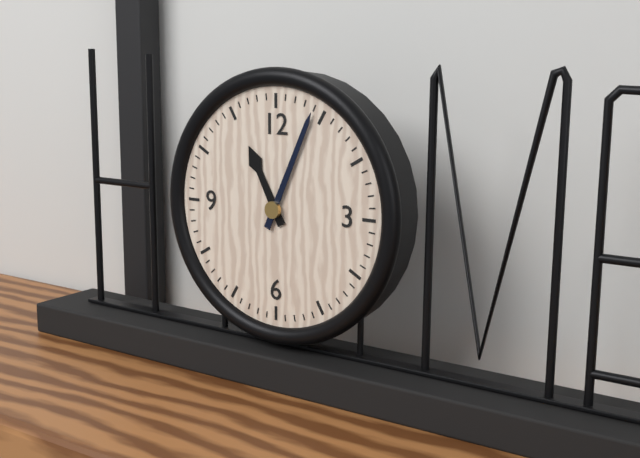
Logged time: h=11 m=4
